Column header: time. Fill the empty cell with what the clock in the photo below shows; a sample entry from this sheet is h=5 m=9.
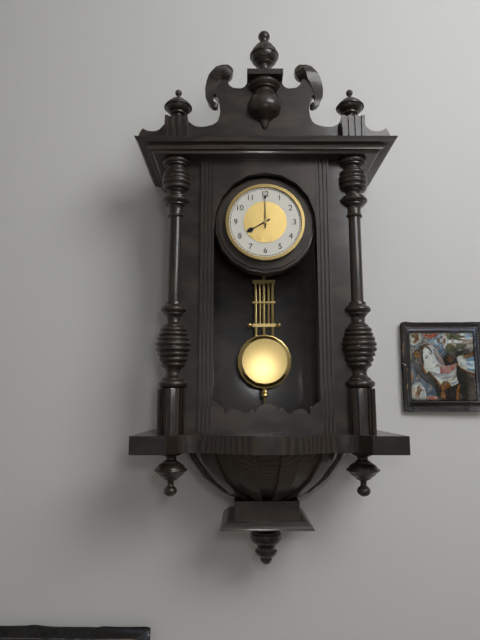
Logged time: h=8 m=0
